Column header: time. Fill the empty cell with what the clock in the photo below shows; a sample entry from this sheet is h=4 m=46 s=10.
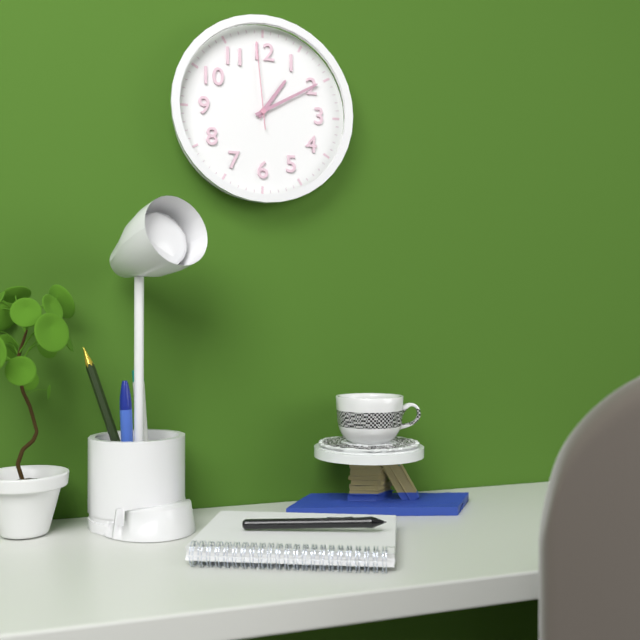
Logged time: h=1 m=10 s=59
